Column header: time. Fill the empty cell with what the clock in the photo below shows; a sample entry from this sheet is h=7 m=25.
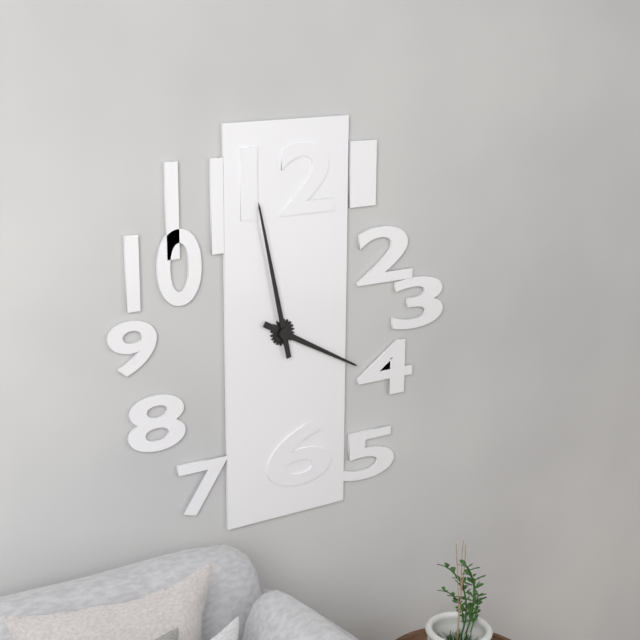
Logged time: h=3 m=58
